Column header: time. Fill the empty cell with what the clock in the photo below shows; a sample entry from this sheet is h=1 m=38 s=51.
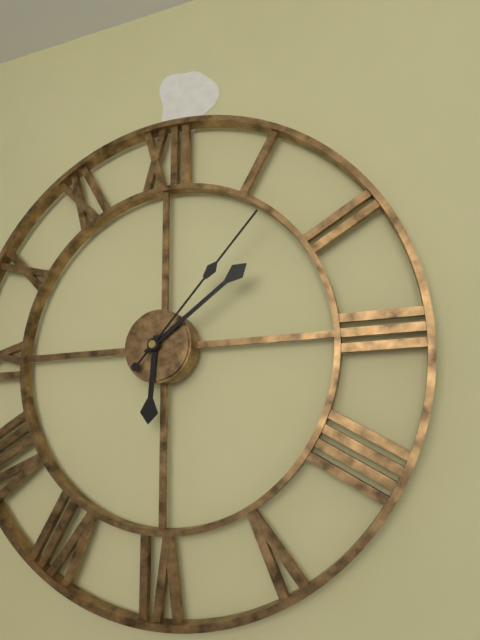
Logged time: h=6 m=9 s=7
